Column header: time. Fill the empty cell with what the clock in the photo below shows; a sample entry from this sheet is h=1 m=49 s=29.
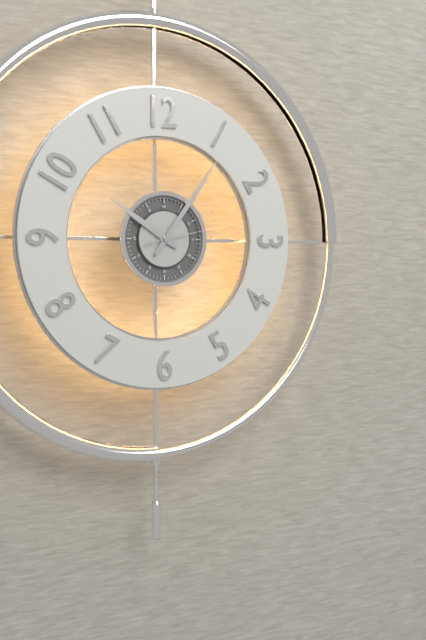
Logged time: h=10 m=6 s=13
